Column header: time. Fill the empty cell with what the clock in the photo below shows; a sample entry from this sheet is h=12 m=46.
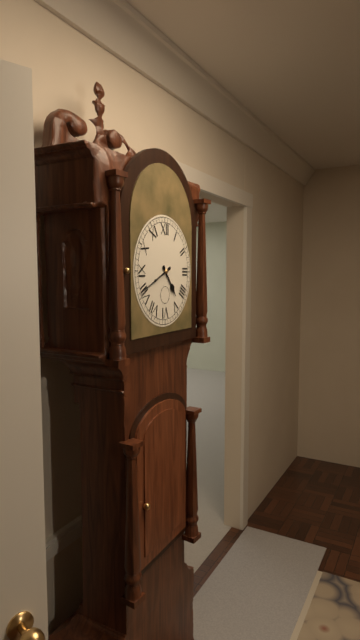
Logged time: h=4 m=41
